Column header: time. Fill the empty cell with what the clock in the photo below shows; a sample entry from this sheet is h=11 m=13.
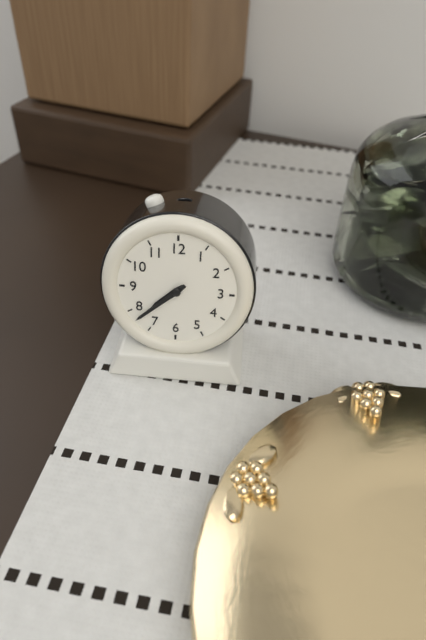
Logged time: h=7 m=38
